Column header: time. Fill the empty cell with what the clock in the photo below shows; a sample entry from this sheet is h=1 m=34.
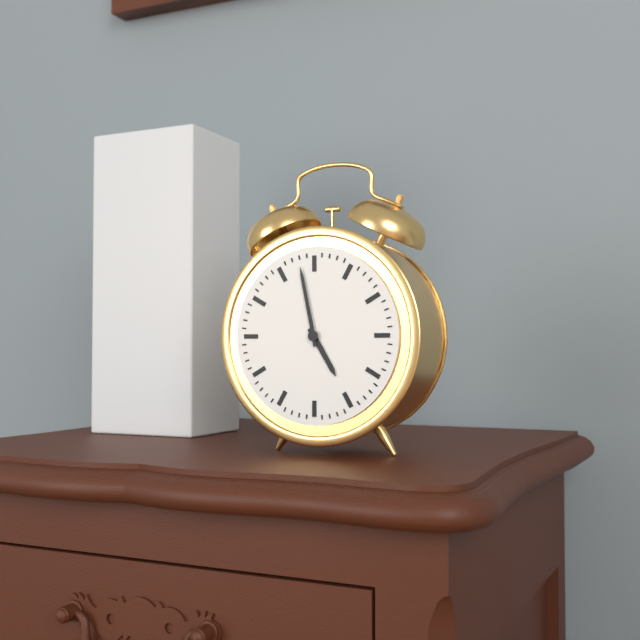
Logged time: h=4 m=58
